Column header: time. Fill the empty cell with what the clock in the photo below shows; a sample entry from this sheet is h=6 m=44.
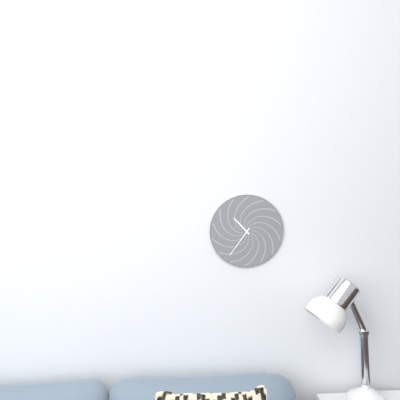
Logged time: h=10 m=36
